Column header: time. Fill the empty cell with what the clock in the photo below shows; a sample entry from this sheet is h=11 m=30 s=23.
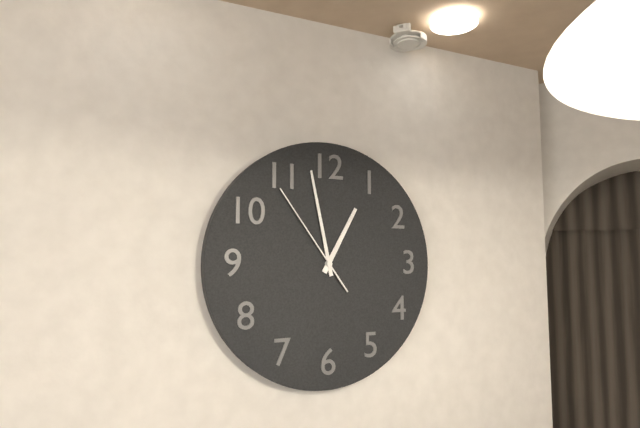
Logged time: h=12 m=58 s=54
